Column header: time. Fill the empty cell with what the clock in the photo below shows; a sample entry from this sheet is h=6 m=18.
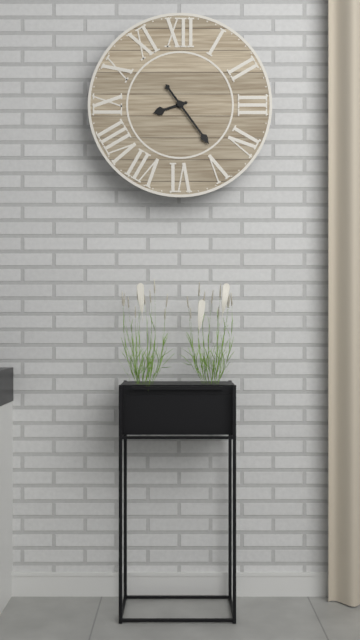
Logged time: h=8 m=24
